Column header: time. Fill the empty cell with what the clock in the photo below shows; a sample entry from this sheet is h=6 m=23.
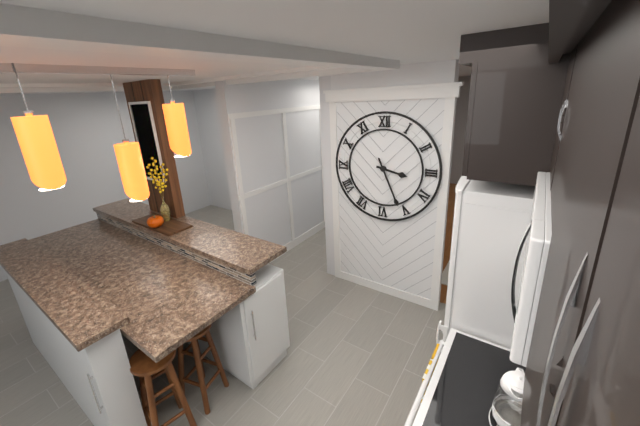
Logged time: h=3 m=26
